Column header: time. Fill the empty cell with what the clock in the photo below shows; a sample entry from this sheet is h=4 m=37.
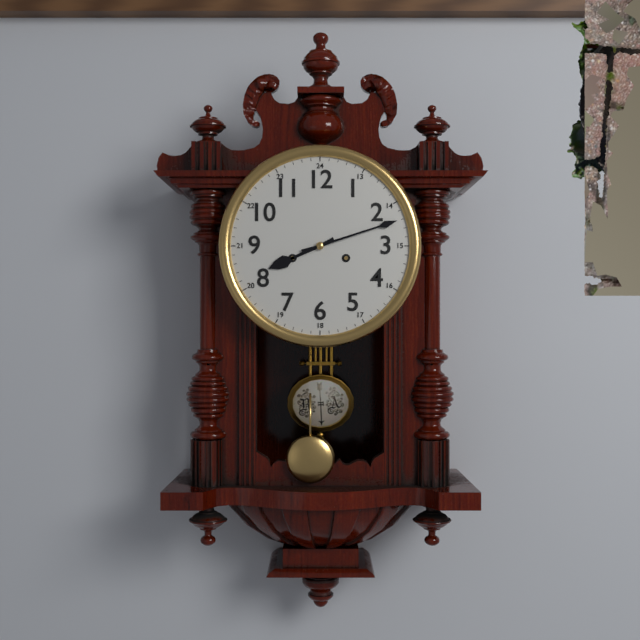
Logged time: h=8 m=12
